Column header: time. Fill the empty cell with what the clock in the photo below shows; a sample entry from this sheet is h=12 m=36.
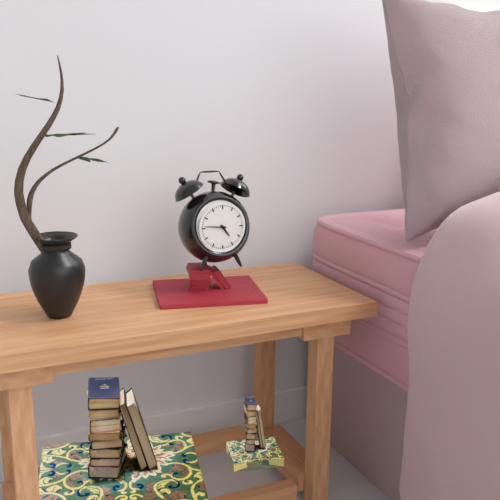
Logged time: h=4 m=46
